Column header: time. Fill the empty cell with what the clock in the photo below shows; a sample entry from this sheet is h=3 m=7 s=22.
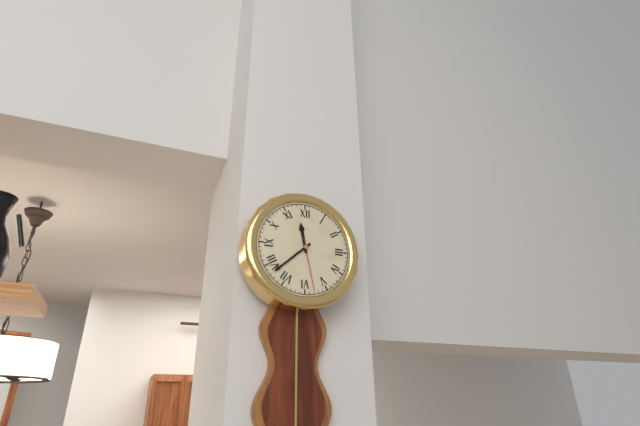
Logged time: h=11 m=38 s=28
